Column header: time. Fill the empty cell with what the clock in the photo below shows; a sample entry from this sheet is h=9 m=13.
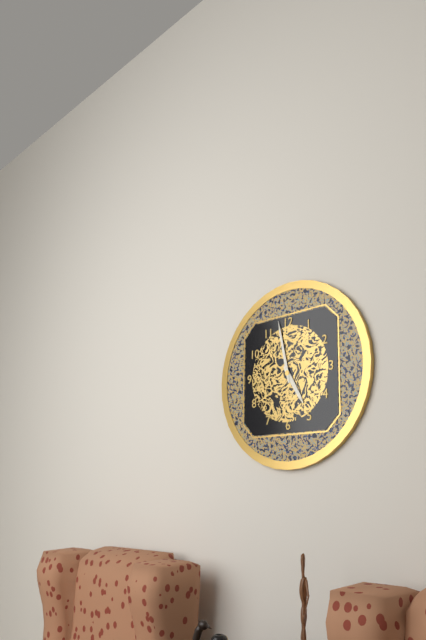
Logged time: h=4 m=58
